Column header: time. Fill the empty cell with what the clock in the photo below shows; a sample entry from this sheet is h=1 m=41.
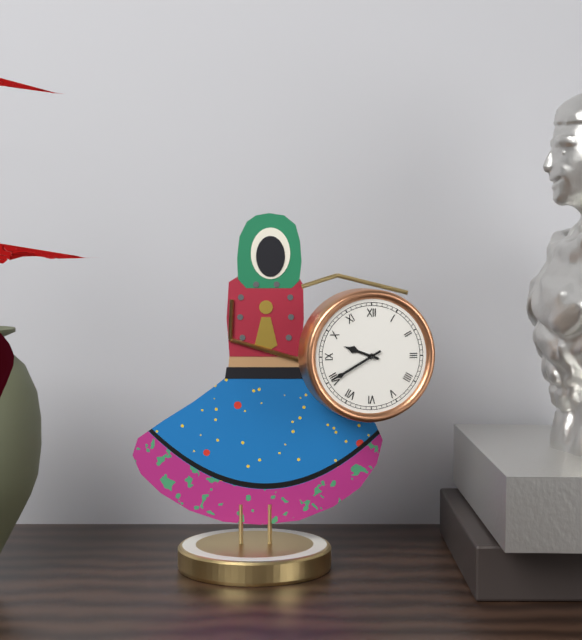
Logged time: h=9 m=40
